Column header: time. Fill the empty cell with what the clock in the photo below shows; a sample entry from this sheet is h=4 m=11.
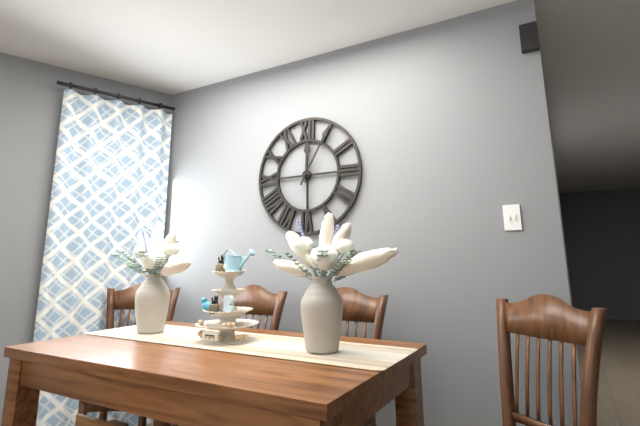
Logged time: h=12 m=5
